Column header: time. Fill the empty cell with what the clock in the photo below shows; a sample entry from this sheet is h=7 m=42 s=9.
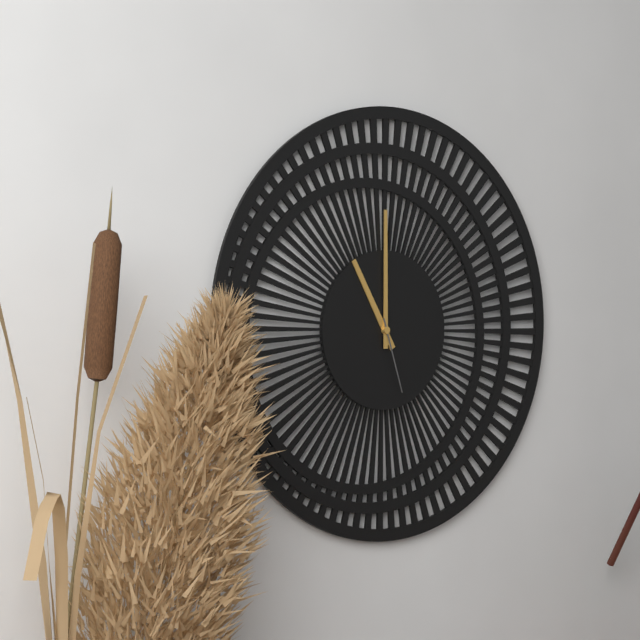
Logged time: h=11 m=0 s=27
